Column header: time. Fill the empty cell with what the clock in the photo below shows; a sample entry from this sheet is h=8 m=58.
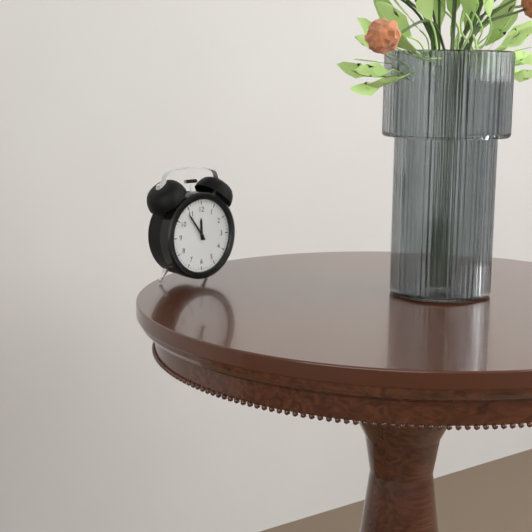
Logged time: h=11 m=54
